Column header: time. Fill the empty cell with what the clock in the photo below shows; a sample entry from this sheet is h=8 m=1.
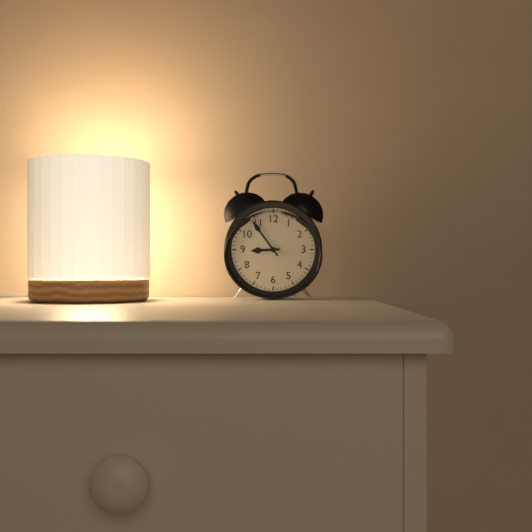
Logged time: h=8 m=54
